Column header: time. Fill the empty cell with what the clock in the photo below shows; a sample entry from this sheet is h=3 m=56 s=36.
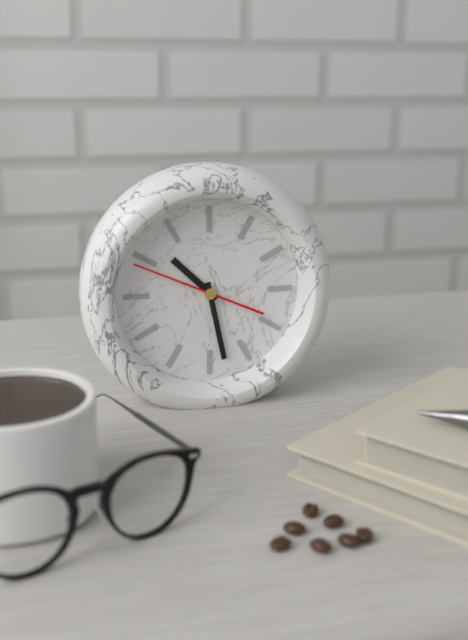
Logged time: h=10 m=28 s=49
